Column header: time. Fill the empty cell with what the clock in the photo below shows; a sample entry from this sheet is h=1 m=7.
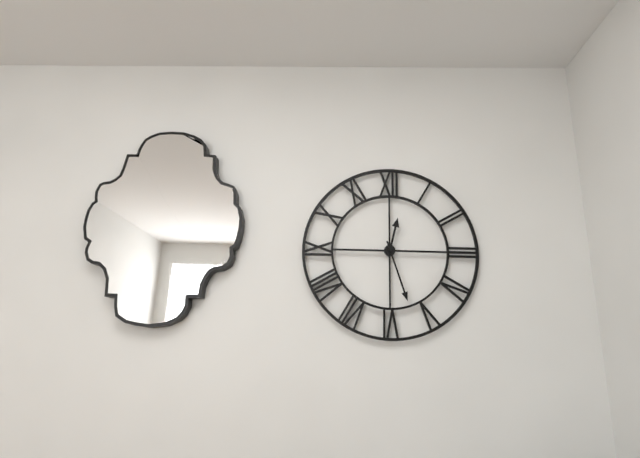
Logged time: h=12 m=27
